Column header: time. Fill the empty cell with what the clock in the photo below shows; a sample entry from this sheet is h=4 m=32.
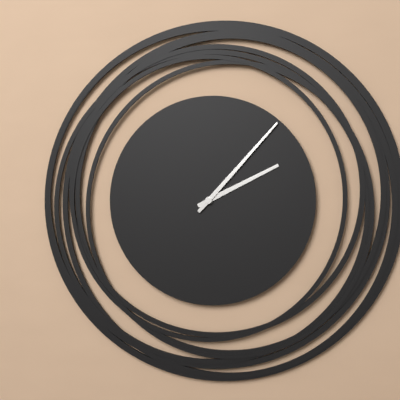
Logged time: h=2 m=7
